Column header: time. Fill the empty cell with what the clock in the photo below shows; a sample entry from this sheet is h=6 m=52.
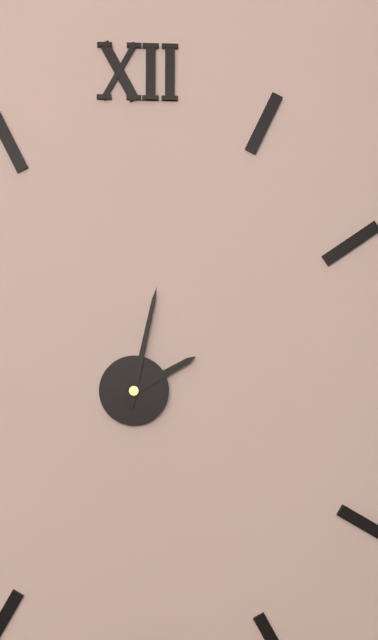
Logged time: h=2 m=2
